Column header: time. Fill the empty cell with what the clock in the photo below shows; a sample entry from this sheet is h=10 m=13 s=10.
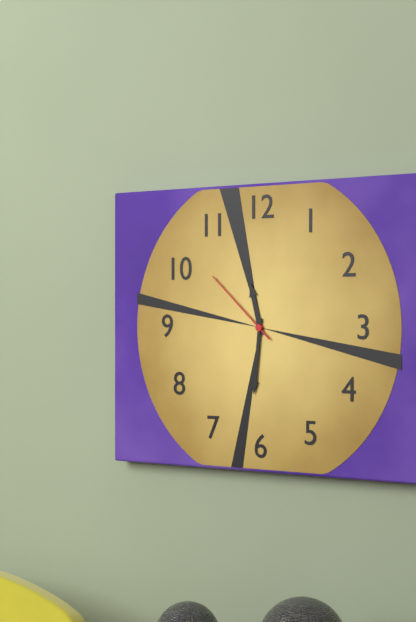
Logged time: h=11 m=31 s=52
